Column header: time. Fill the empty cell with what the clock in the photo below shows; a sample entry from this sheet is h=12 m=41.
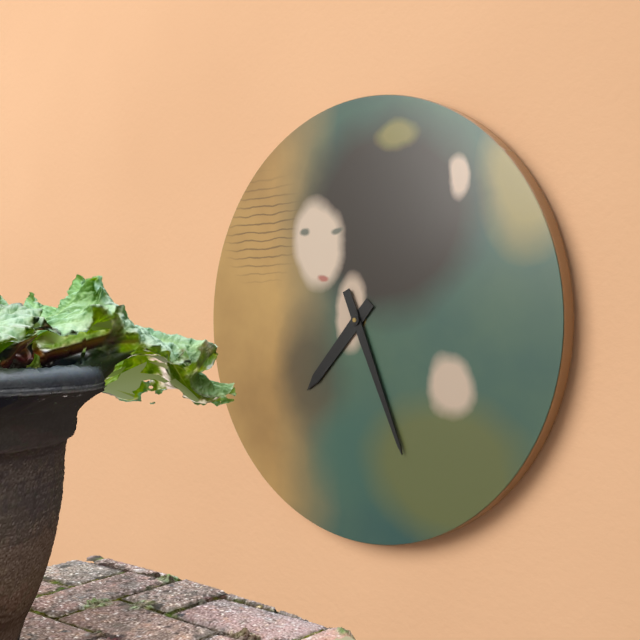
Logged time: h=7 m=26
